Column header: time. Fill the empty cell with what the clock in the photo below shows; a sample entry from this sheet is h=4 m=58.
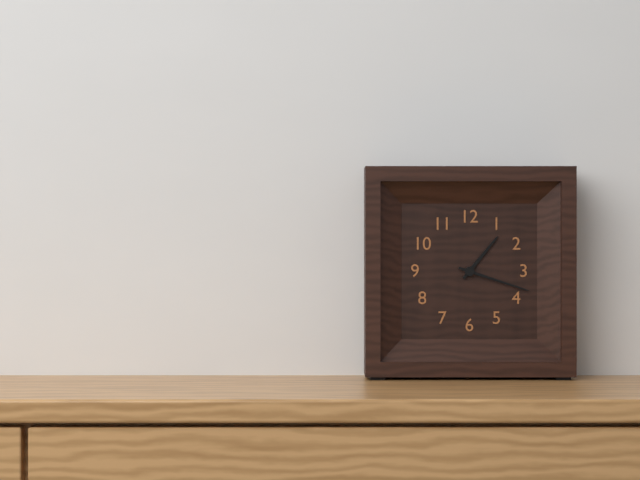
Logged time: h=1 m=18
